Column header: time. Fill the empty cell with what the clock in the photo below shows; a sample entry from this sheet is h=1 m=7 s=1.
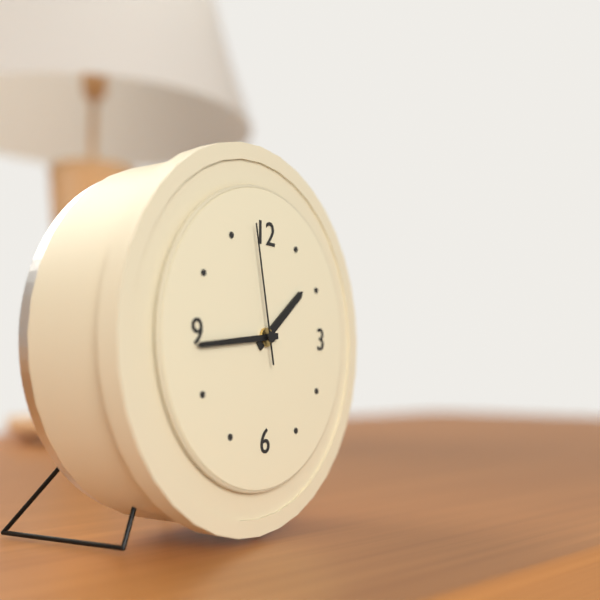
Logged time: h=1 m=44 s=58
